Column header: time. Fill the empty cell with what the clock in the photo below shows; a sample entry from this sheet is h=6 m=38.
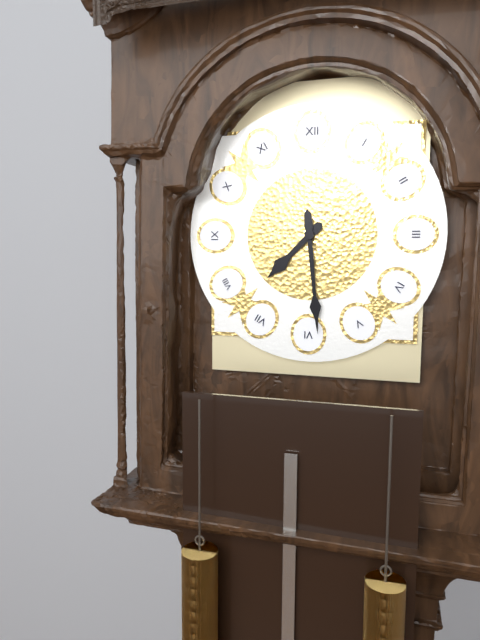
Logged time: h=7 m=29
